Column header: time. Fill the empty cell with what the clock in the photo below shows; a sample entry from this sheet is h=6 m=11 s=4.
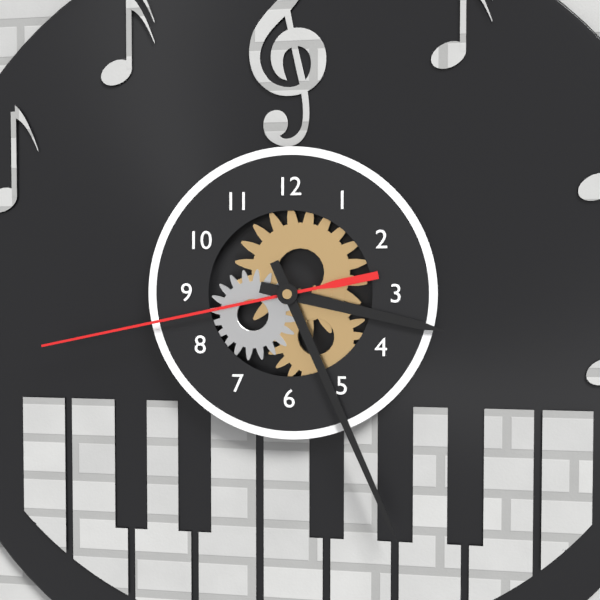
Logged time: h=3 m=26 s=43
